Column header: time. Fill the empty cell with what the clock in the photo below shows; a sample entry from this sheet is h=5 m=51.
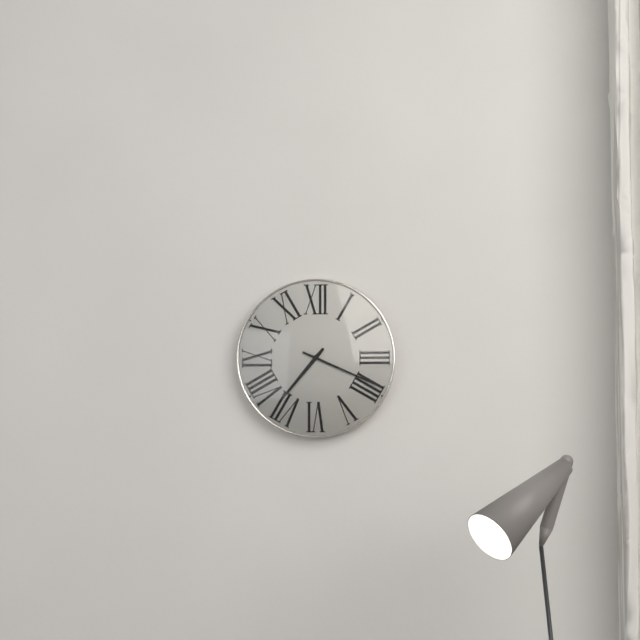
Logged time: h=7 m=19
